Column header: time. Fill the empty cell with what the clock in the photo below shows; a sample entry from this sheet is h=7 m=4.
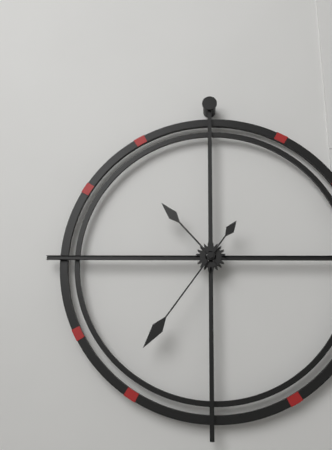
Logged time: h=10 m=36
